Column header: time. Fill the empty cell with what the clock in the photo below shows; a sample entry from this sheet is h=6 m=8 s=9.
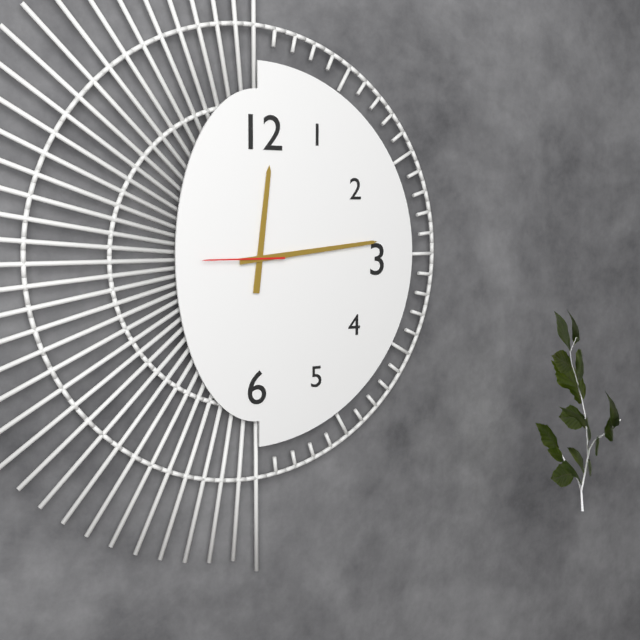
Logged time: h=12 m=14 s=45
